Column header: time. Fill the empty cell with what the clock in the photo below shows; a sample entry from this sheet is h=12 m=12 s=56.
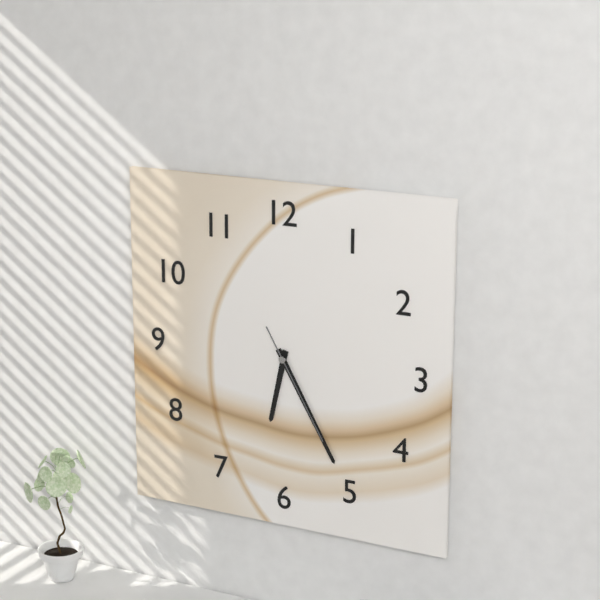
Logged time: h=6 m=25 s=25
